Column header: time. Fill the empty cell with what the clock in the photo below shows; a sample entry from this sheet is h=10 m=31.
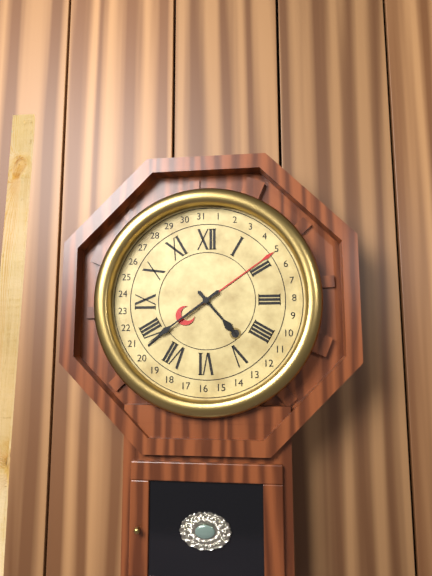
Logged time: h=4 m=39
